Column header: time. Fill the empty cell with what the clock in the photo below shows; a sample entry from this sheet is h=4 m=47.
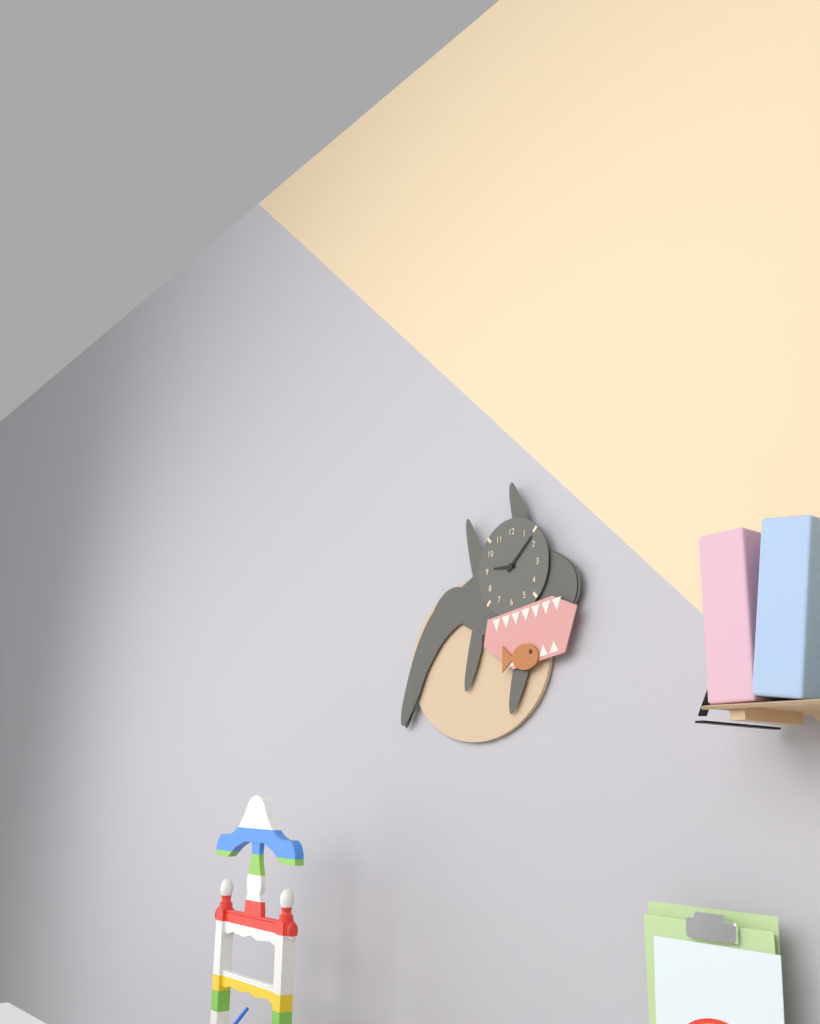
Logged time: h=9 m=8
